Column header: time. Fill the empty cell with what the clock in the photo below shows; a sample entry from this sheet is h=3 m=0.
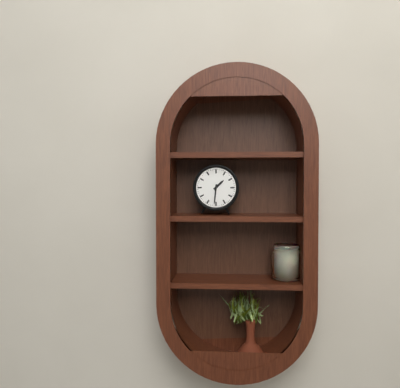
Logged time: h=1 m=31
